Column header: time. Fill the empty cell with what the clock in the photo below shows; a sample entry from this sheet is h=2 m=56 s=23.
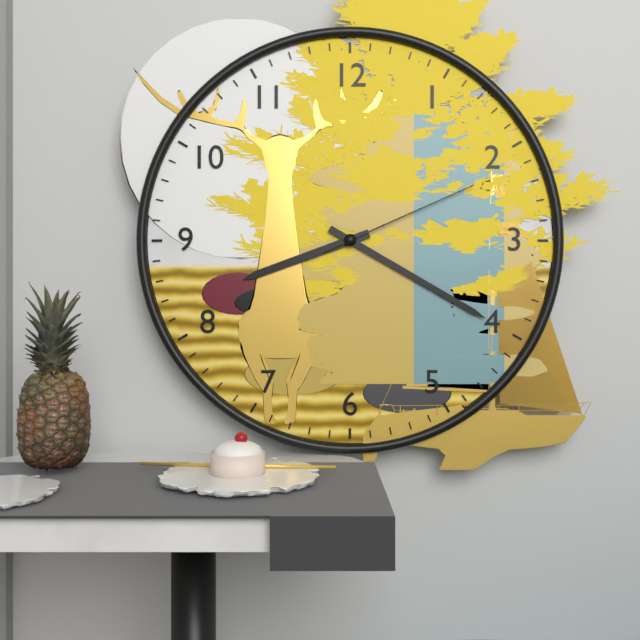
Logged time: h=8 m=20 s=11
